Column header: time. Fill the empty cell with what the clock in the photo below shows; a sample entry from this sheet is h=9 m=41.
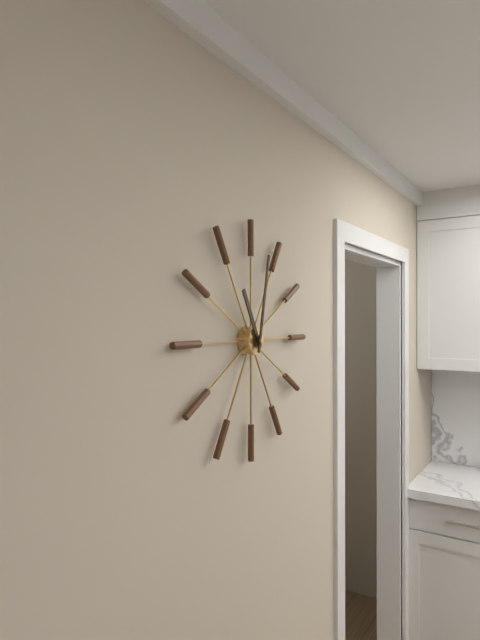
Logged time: h=11 m=2
